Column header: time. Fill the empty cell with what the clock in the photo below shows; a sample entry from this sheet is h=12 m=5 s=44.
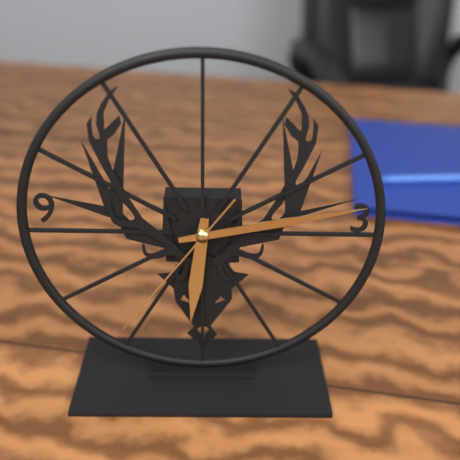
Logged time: h=6 m=13 s=36
